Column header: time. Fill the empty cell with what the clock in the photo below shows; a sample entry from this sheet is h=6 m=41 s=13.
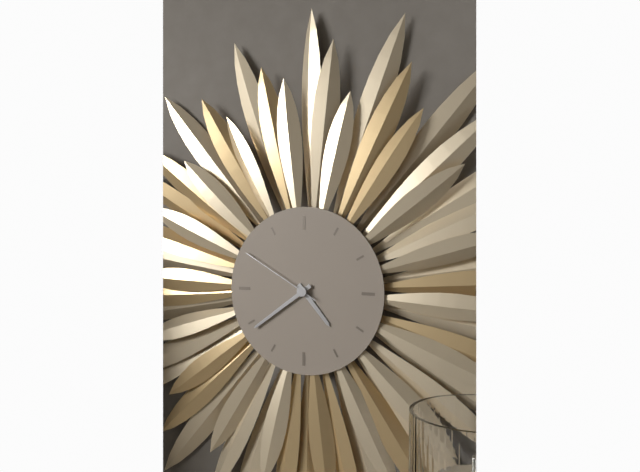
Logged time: h=4 m=39 s=50
